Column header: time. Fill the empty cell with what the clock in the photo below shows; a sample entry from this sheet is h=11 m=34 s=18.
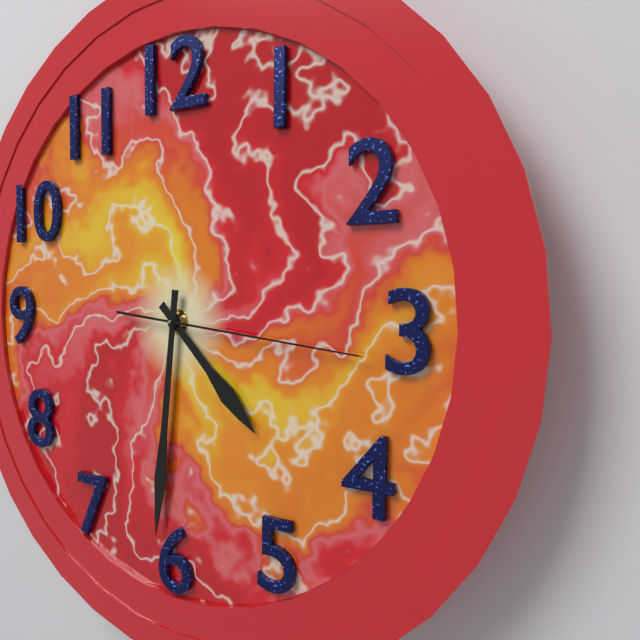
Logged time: h=4 m=31 s=16
